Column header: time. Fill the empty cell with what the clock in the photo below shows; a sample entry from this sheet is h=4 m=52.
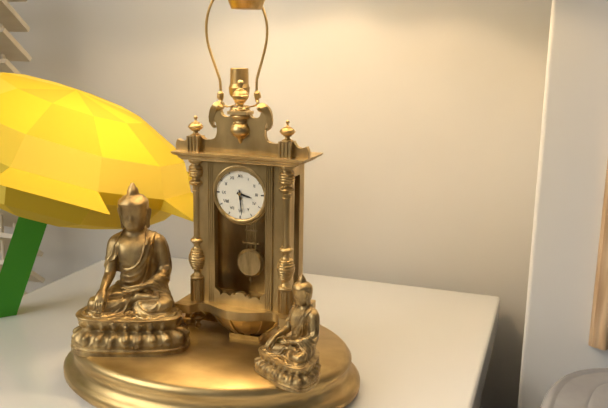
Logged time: h=3 m=29
